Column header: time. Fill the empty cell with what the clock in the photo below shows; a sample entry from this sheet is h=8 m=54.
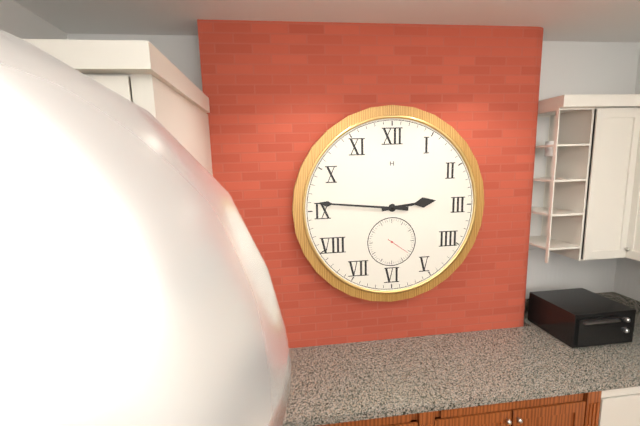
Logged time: h=2 m=46
